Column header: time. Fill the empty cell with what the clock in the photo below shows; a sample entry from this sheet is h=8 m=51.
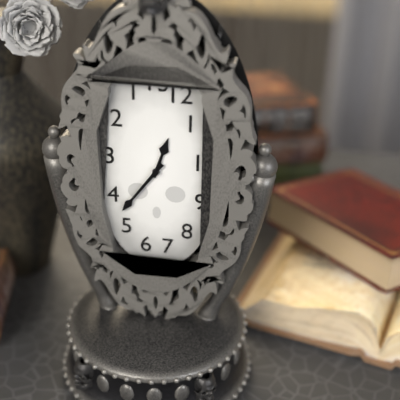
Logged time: h=12 m=36
